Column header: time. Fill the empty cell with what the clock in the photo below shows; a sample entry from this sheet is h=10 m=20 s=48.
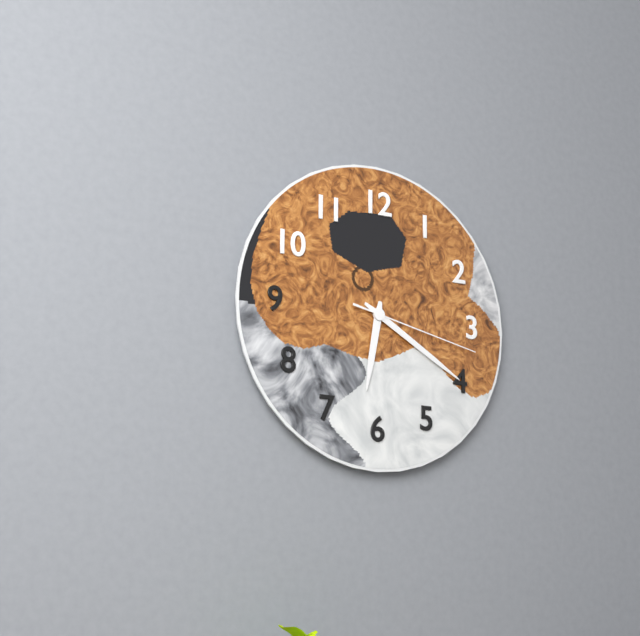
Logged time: h=6 m=20 s=17
